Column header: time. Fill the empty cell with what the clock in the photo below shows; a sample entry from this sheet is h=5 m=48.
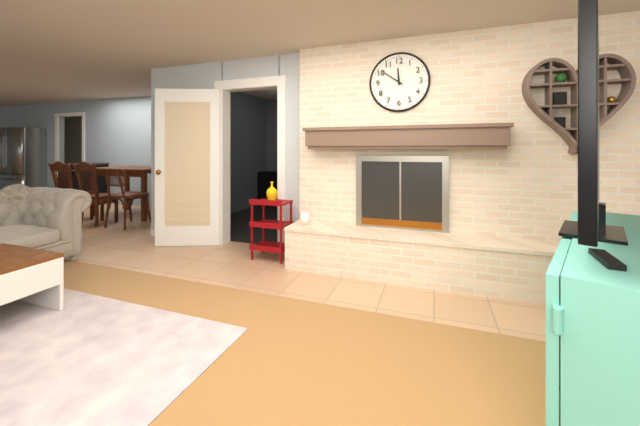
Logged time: h=11 m=51
